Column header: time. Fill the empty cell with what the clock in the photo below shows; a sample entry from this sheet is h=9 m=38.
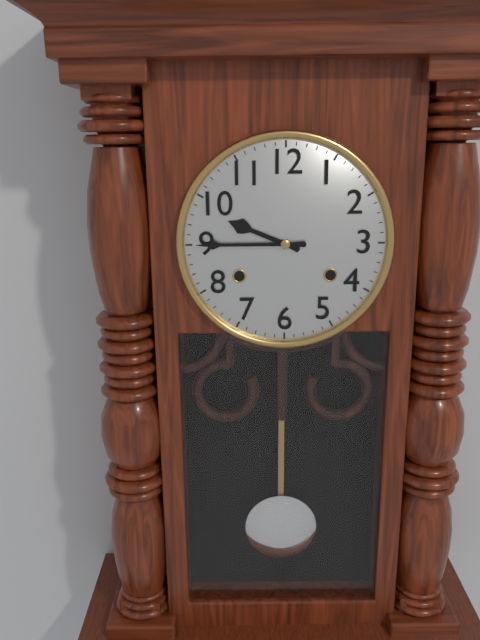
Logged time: h=9 m=45
